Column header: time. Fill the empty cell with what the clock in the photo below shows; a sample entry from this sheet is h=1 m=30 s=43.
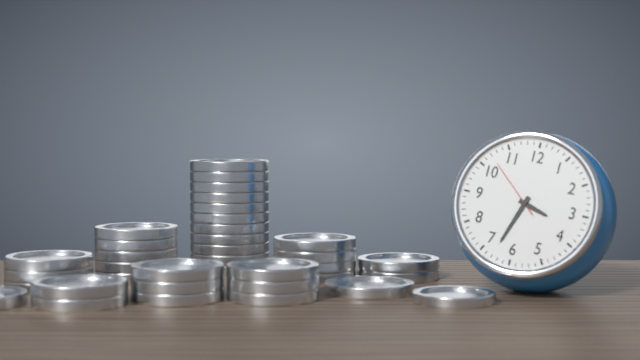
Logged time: h=3 m=33 s=52
